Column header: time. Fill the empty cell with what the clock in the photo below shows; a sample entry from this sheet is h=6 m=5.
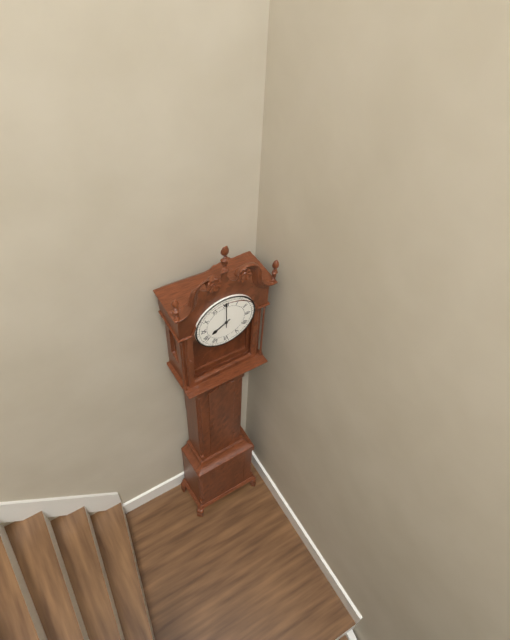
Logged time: h=8 m=0
